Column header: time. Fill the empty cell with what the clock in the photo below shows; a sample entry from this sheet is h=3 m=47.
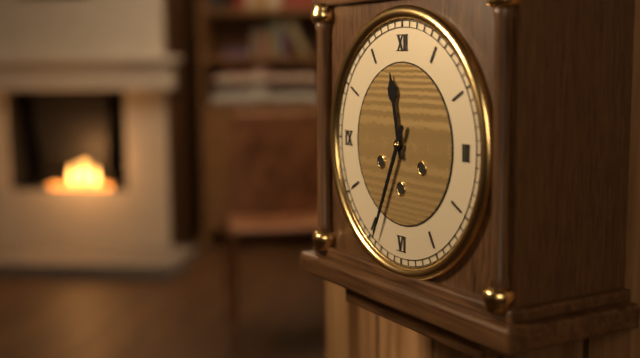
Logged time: h=11 m=34
